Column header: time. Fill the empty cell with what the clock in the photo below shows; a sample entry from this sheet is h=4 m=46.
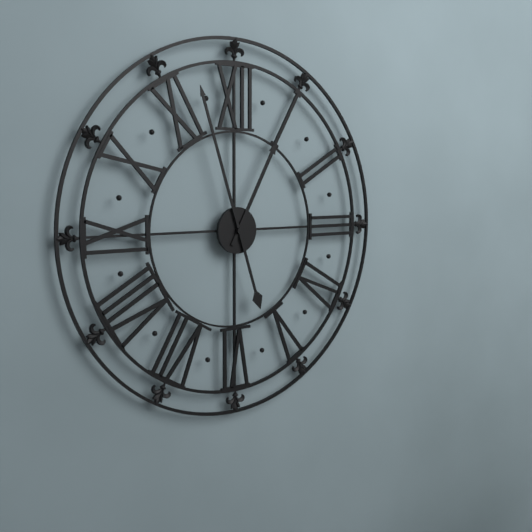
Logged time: h=12 m=57
